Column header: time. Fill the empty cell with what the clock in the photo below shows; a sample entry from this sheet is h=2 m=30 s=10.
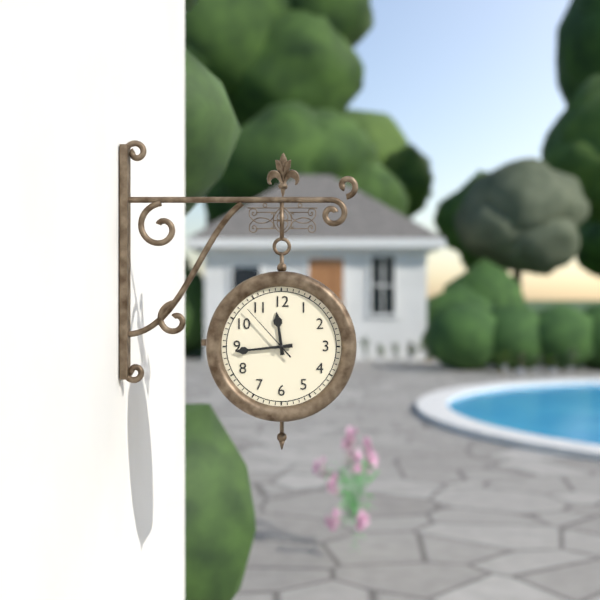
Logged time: h=11 m=44 s=53
